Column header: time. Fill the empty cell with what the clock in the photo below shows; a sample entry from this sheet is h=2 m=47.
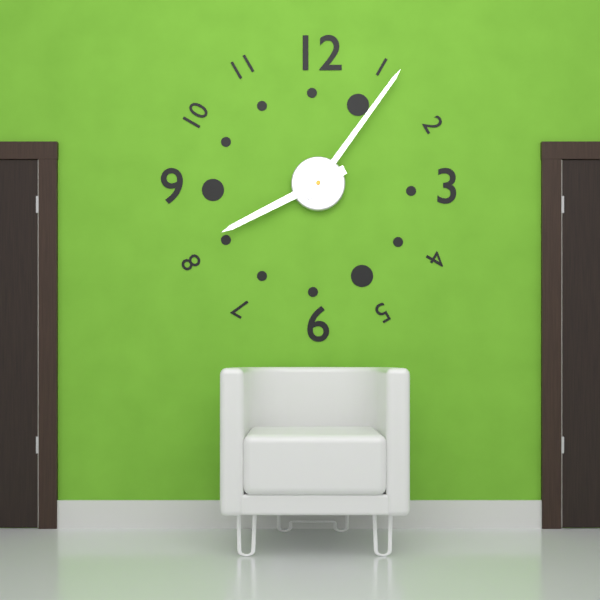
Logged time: h=8 m=6
